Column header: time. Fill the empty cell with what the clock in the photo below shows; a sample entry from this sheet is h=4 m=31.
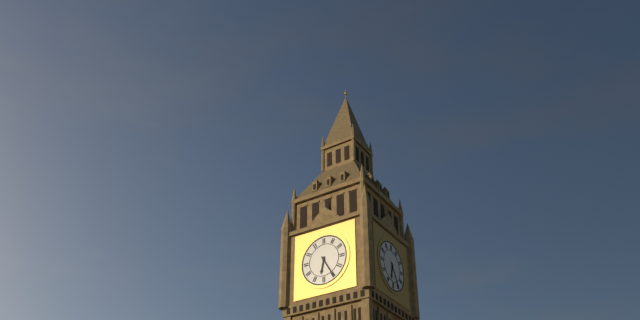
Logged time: h=6 m=25
